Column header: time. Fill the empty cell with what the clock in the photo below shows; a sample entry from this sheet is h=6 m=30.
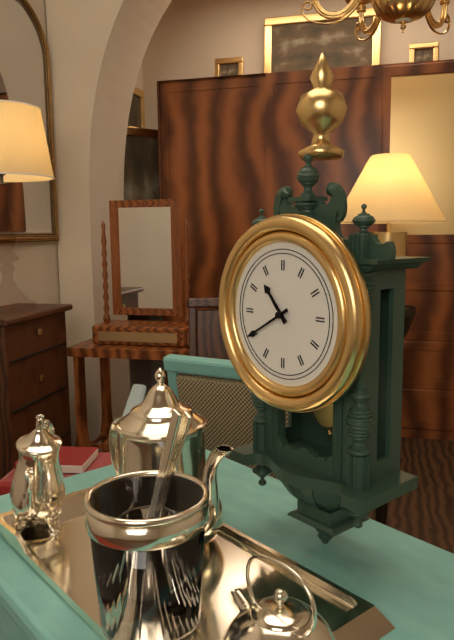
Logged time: h=10 m=40
